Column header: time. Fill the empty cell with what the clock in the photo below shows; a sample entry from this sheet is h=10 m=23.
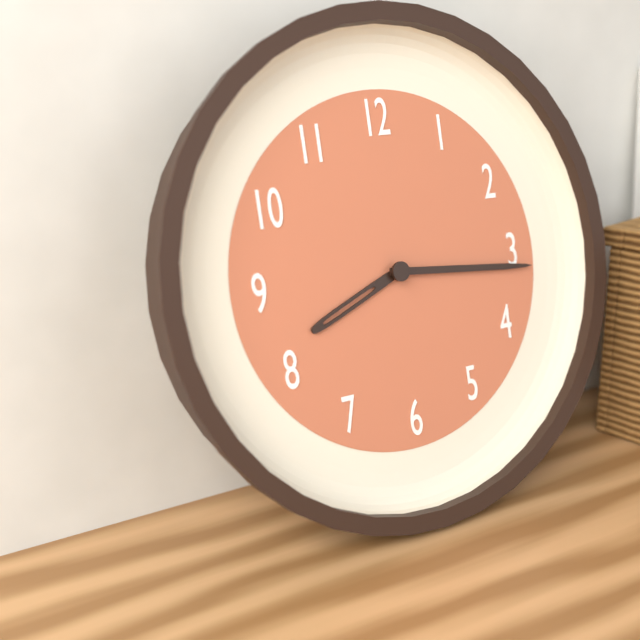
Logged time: h=8 m=16
